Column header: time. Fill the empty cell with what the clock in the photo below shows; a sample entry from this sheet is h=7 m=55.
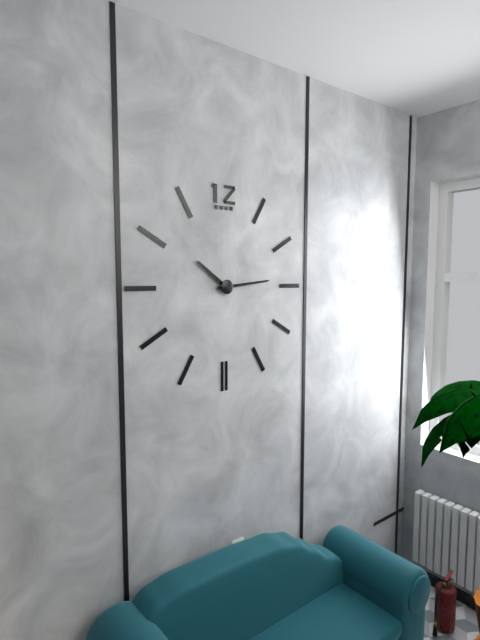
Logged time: h=10 m=14
